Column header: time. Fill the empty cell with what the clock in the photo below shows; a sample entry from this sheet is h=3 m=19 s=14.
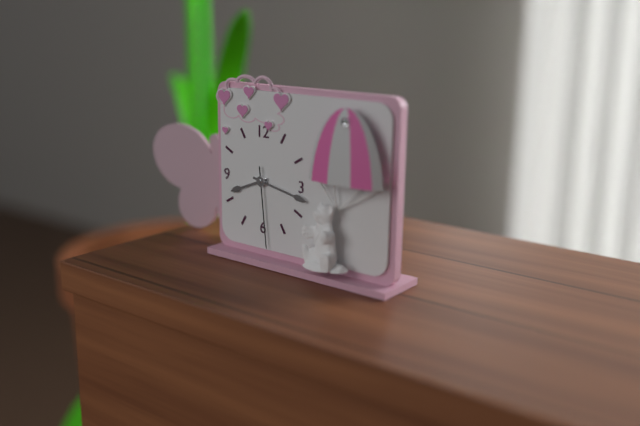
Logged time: h=8 m=17 s=29
